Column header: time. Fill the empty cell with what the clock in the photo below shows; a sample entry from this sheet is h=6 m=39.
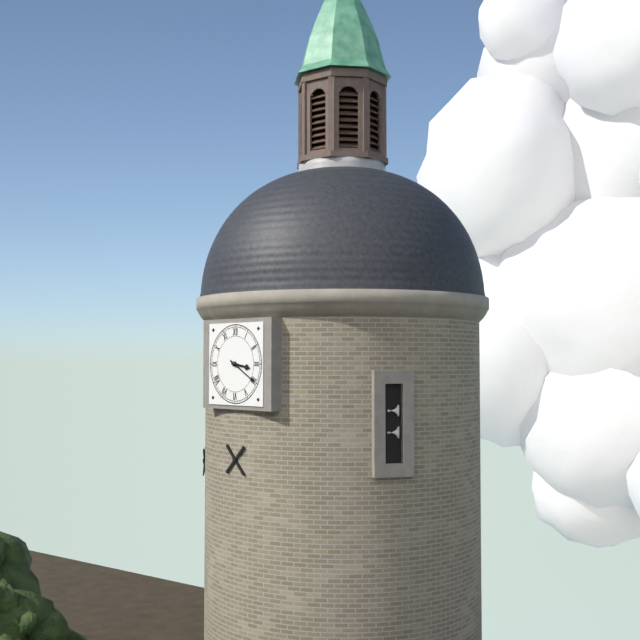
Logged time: h=3 m=20
